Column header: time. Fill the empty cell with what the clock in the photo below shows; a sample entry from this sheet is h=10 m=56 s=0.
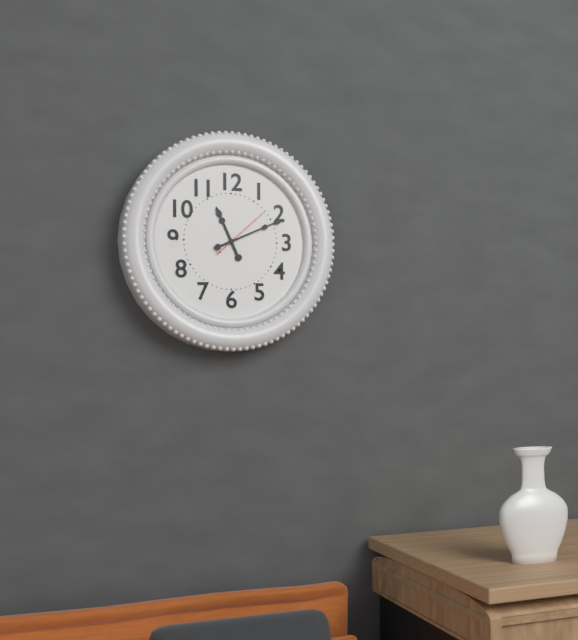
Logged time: h=11 m=11 s=8
